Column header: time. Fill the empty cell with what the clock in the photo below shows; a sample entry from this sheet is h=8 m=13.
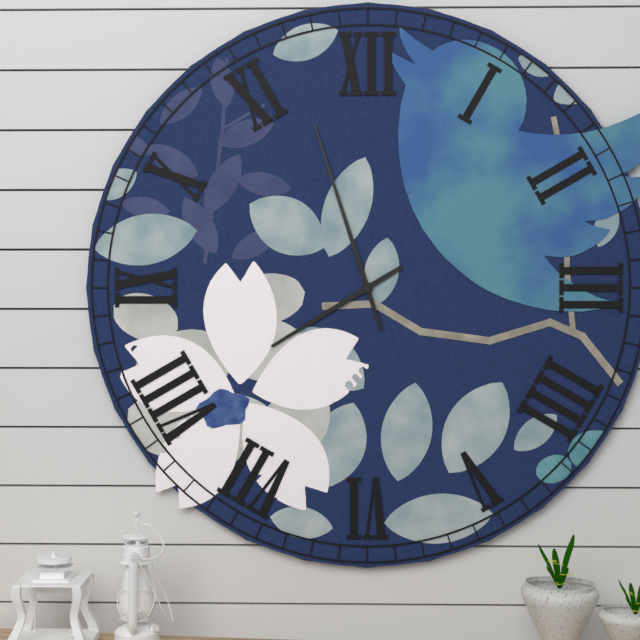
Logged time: h=7 m=57
